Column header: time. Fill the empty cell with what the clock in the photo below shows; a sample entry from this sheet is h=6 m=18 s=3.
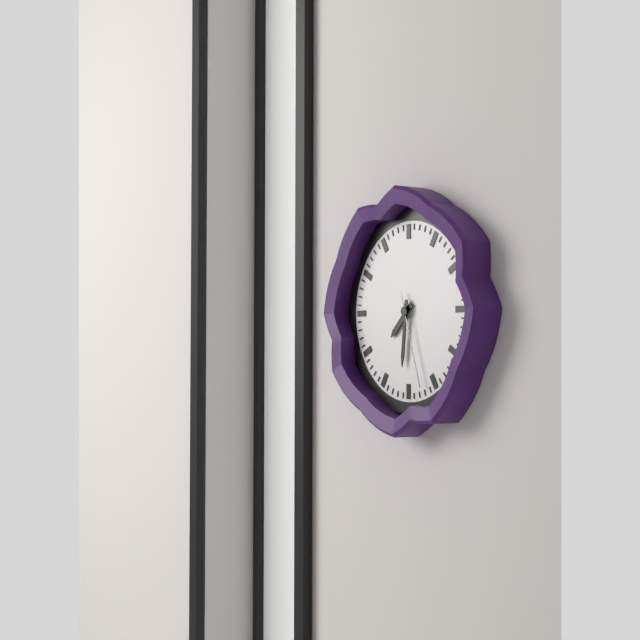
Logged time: h=7 m=31 s=27
